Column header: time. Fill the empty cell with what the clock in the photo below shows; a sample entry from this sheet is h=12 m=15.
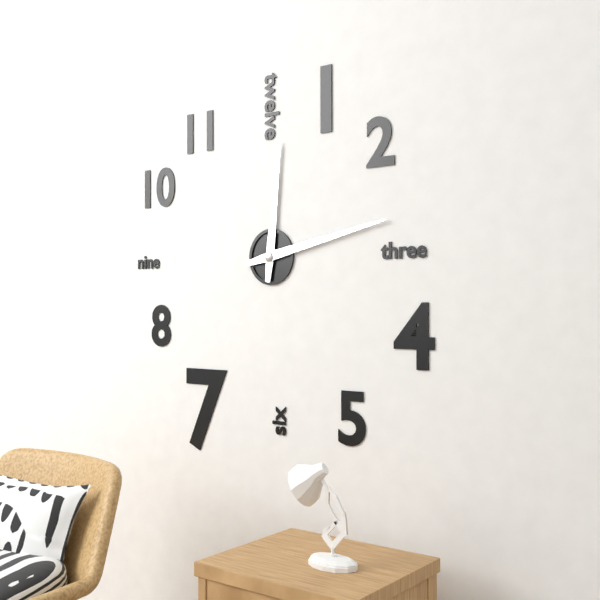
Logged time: h=12 m=13
